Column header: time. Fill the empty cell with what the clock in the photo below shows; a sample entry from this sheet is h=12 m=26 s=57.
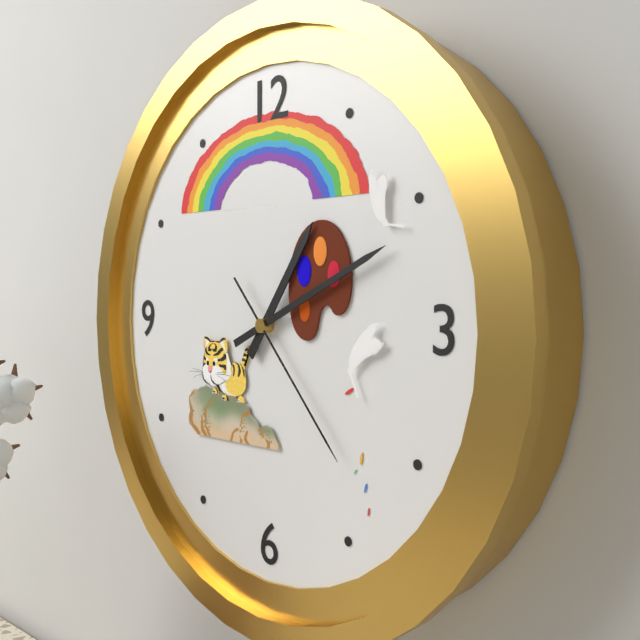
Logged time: h=1 m=11 s=23
